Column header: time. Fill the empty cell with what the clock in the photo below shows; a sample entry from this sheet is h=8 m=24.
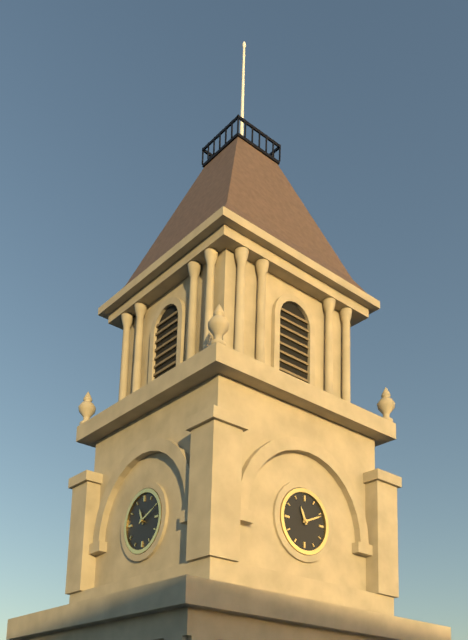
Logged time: h=11 m=11
